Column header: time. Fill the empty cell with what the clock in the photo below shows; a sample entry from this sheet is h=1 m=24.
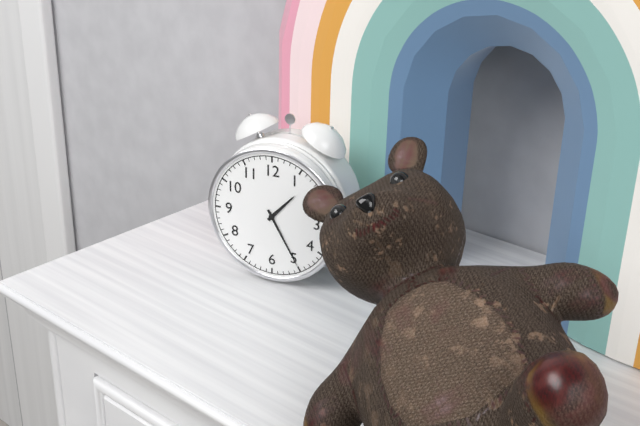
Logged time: h=1 m=25
